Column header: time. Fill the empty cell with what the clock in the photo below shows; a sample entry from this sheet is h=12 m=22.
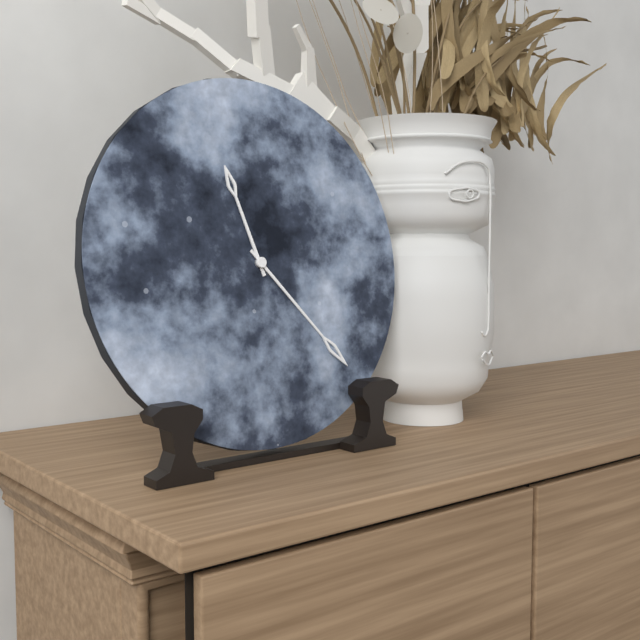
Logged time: h=11 m=23
